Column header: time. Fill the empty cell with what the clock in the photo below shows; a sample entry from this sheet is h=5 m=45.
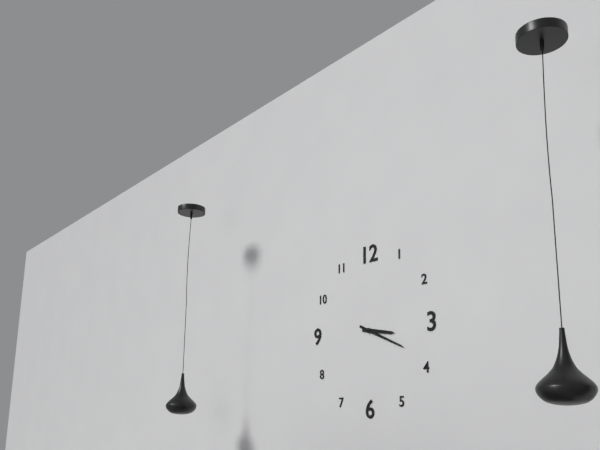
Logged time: h=3 m=19
